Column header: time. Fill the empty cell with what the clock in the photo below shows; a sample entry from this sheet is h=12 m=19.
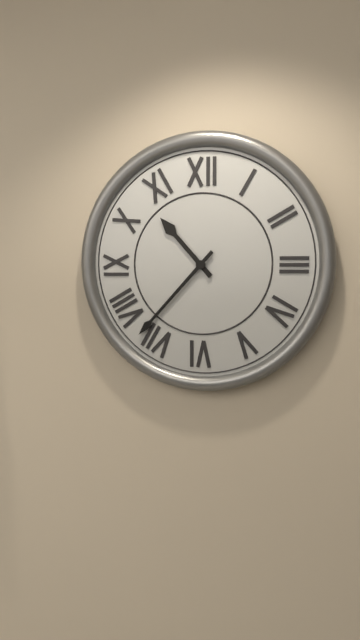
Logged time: h=10 m=37
